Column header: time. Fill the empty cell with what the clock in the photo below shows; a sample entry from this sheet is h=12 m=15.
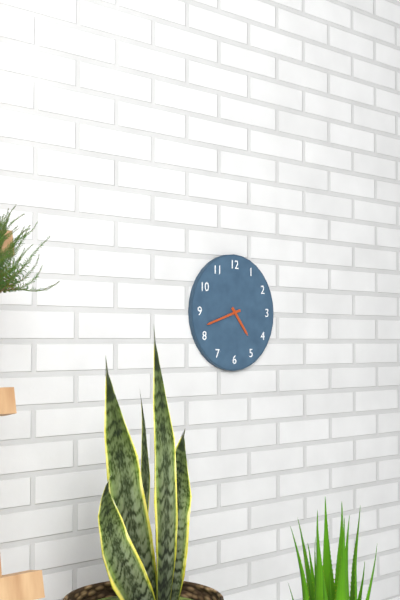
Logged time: h=4 m=42
